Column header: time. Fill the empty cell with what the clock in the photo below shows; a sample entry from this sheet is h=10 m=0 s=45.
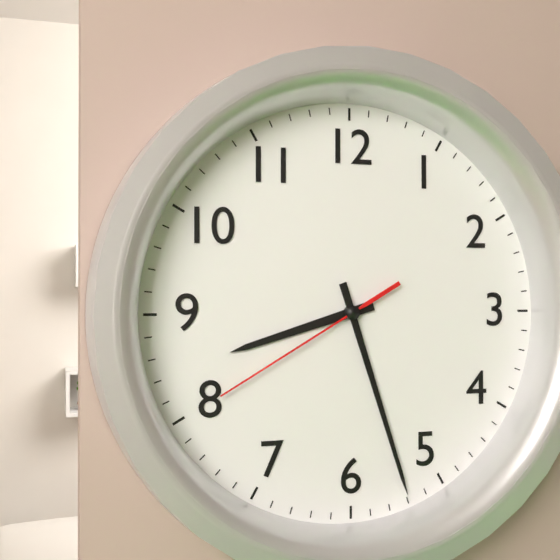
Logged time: h=8 m=27 s=40
